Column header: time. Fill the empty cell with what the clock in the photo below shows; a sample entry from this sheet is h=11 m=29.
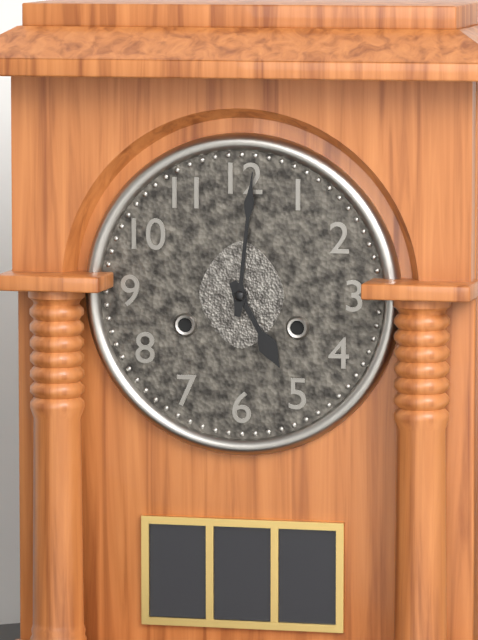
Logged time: h=5 m=1
